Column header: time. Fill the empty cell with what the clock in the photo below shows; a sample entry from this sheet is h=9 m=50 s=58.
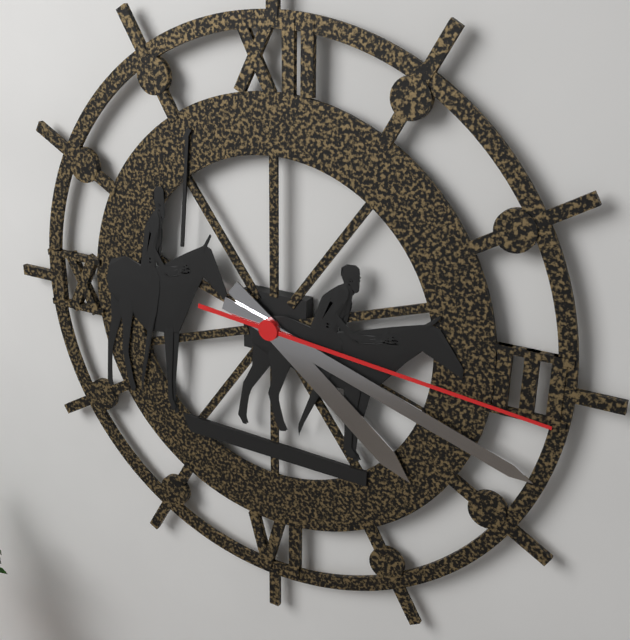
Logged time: h=4 m=18 s=16
